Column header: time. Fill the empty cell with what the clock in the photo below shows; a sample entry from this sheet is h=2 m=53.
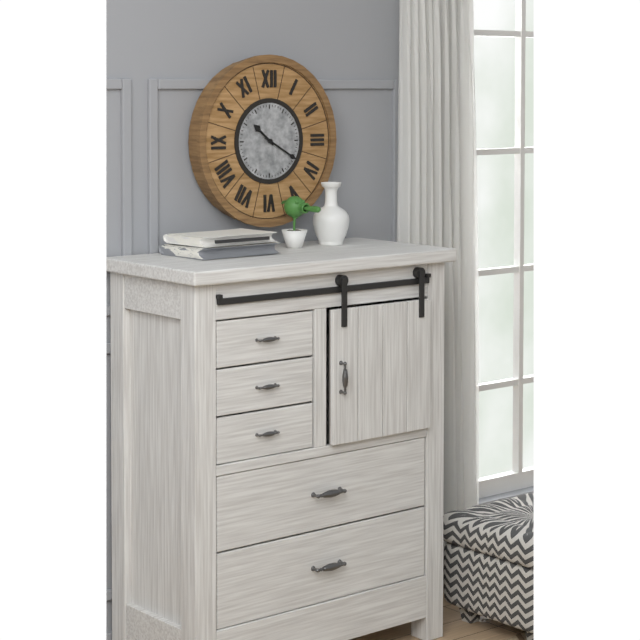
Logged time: h=10 m=20
